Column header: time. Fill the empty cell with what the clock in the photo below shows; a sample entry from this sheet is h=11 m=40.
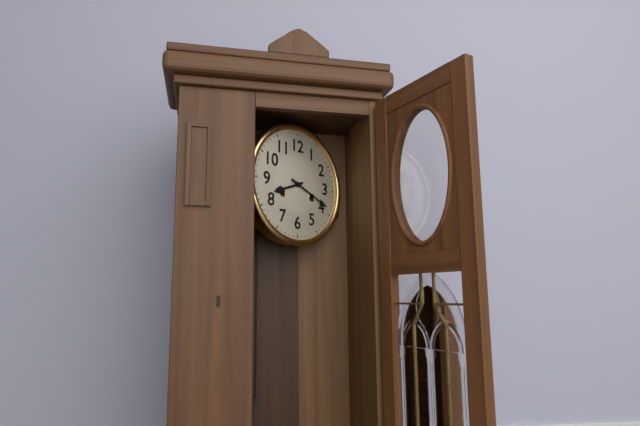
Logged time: h=8 m=19
